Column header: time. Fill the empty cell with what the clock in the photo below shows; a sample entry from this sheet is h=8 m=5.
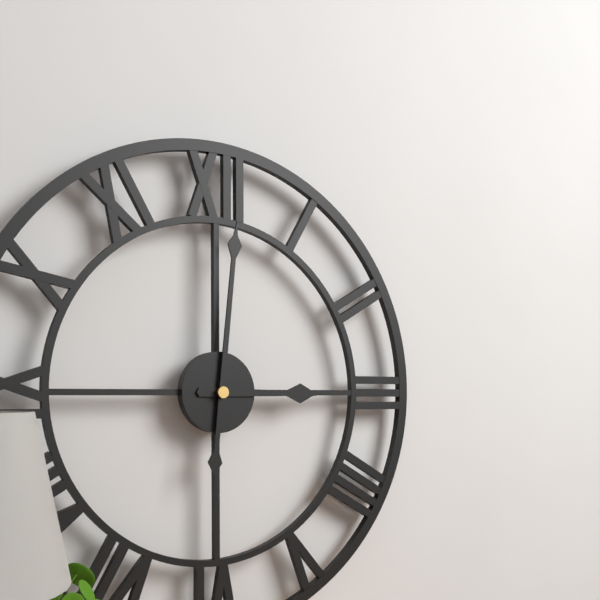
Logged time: h=3 m=1
